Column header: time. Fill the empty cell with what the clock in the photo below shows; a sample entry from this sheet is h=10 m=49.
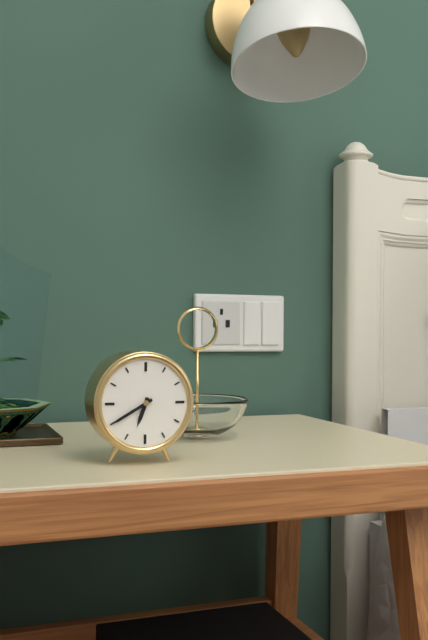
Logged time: h=6 m=40
